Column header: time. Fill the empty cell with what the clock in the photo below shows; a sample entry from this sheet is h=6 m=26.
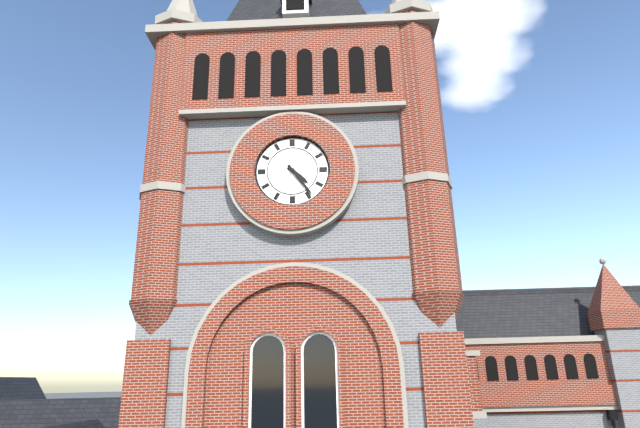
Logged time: h=4 m=24
